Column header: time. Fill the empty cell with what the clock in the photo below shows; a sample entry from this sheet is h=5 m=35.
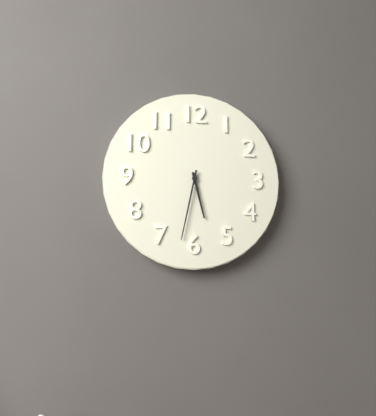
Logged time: h=5 m=32
